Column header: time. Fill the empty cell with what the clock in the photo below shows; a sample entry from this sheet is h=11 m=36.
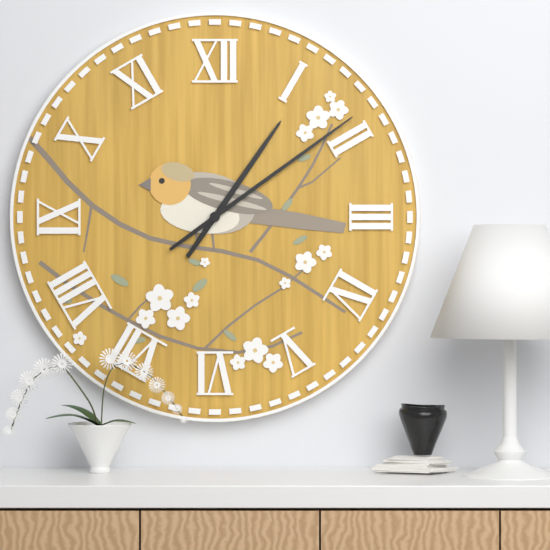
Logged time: h=1 m=9
